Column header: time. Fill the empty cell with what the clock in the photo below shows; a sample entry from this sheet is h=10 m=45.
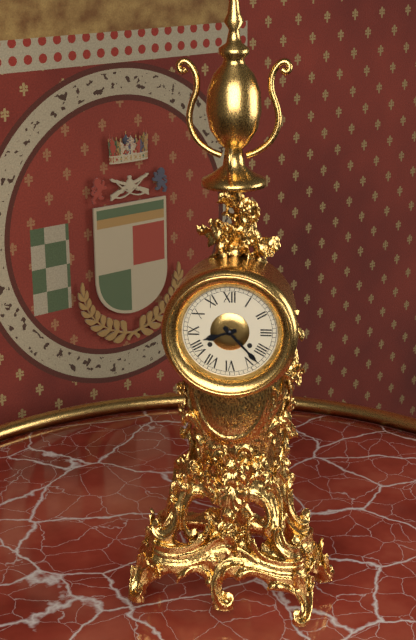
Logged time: h=8 m=23
